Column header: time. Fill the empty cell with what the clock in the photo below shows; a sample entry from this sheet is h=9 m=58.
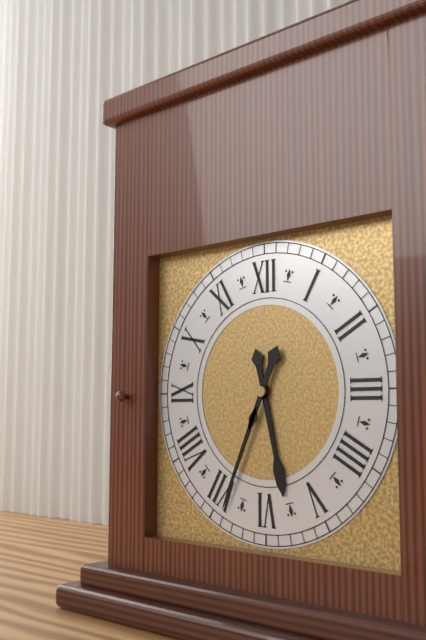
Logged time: h=5 m=34
